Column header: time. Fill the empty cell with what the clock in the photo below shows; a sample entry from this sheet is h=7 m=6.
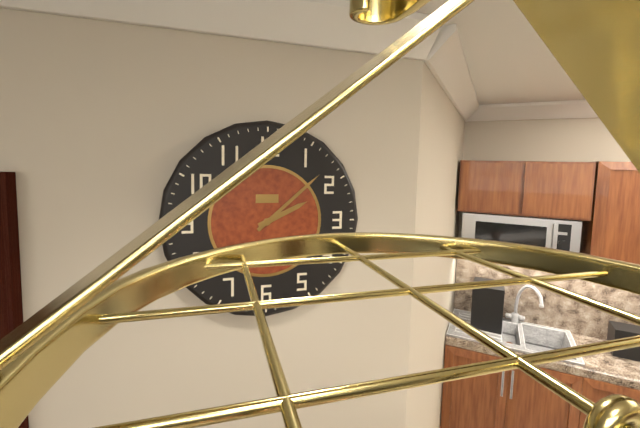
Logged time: h=2 m=8
